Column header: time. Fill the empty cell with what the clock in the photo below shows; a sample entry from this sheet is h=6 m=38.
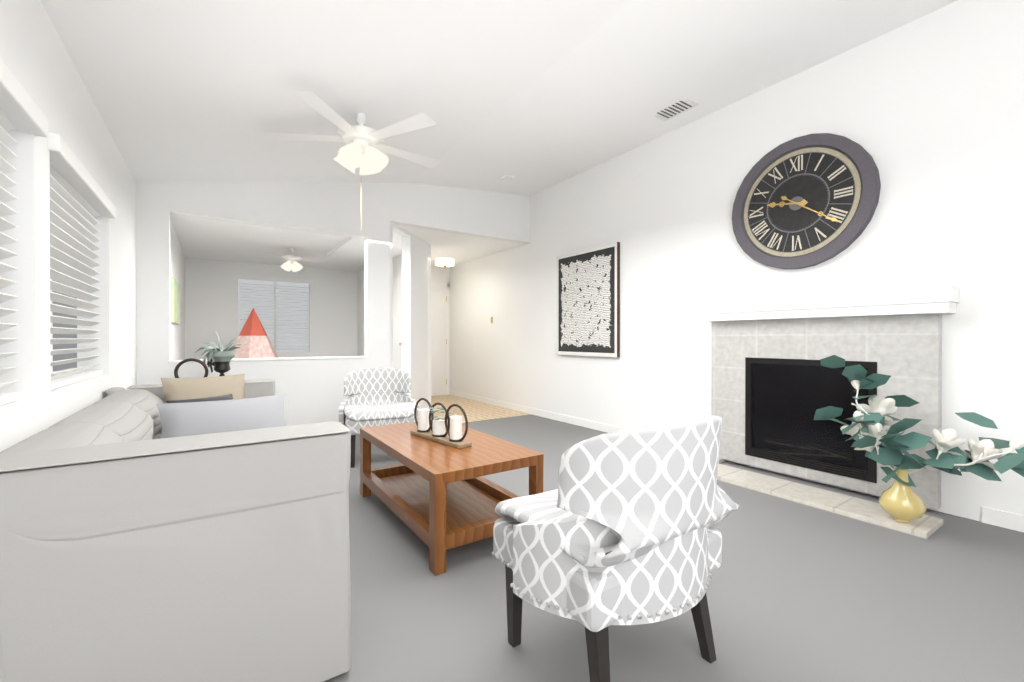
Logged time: h=9 m=21
